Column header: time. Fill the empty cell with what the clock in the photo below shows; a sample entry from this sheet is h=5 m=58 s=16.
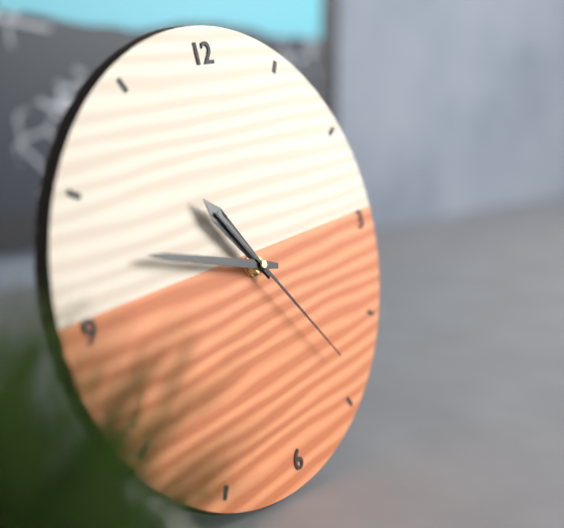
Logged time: h=10 m=48 s=24
